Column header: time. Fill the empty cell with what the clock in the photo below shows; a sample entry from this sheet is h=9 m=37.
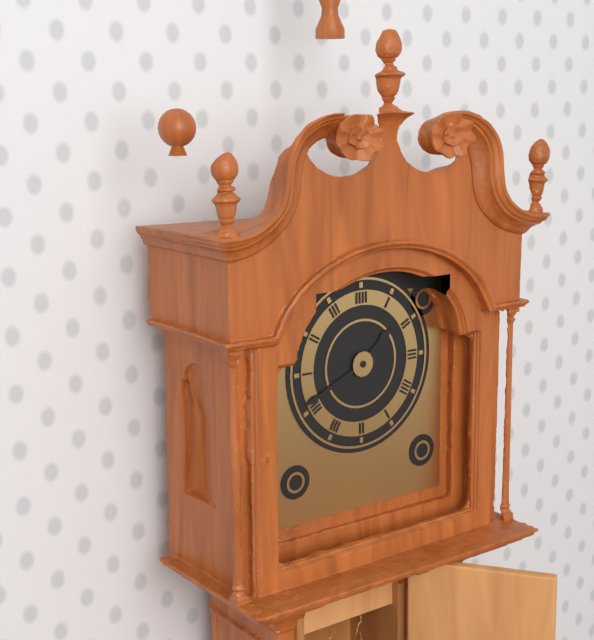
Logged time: h=1 m=41
